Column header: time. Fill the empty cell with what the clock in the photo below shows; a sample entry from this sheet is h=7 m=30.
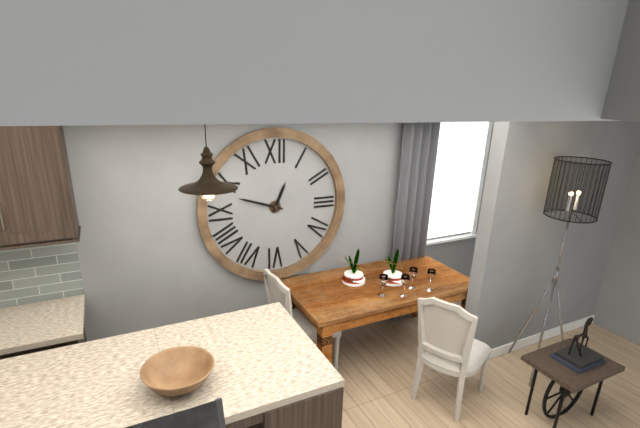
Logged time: h=12 m=48
